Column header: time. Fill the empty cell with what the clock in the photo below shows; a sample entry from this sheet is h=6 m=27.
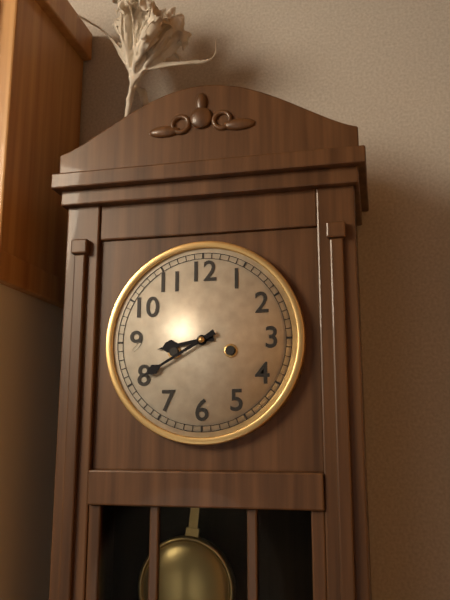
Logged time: h=8 m=40
